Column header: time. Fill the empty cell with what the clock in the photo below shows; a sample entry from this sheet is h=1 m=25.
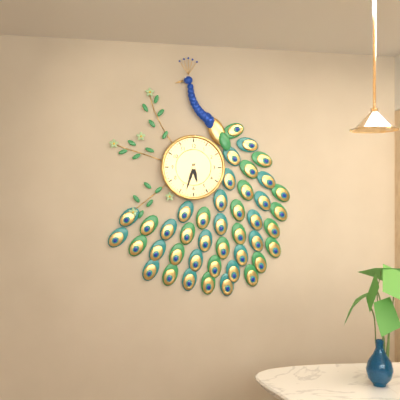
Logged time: h=5 m=33
